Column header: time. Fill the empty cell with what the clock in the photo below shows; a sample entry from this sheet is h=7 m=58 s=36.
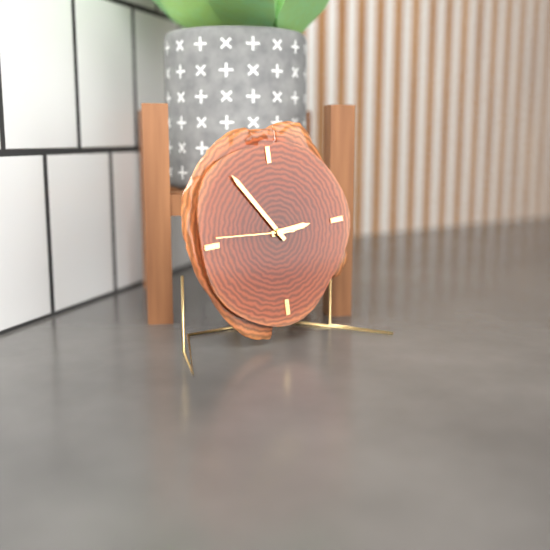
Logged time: h=2 m=54 s=46
